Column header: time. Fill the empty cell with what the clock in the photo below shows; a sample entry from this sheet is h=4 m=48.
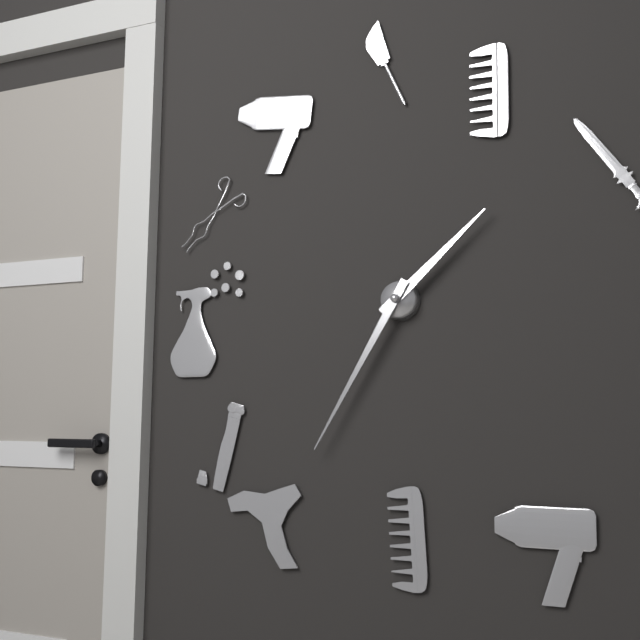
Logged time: h=1 m=35
